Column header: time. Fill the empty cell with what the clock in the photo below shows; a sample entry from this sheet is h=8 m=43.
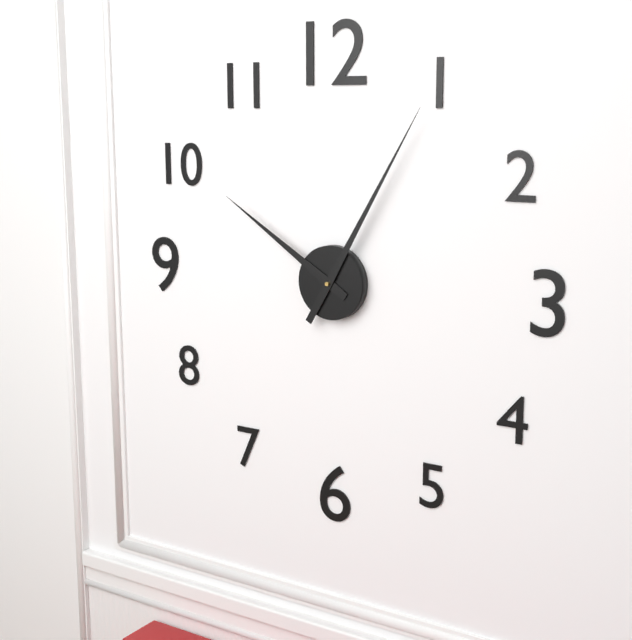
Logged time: h=10 m=5
